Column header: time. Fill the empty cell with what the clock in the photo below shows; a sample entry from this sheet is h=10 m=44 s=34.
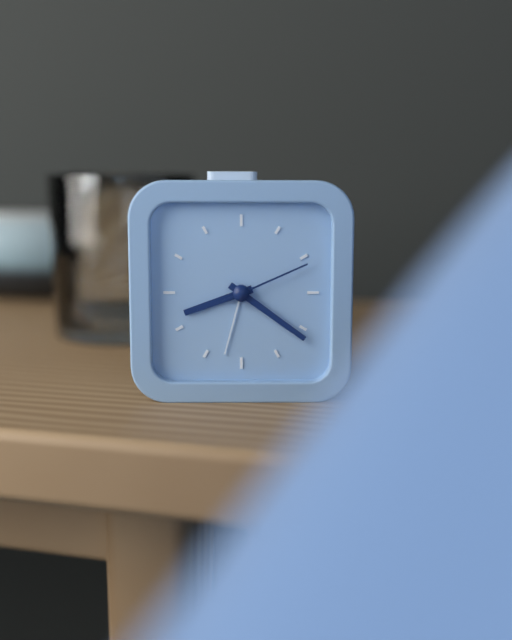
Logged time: h=8 m=21 s=11
